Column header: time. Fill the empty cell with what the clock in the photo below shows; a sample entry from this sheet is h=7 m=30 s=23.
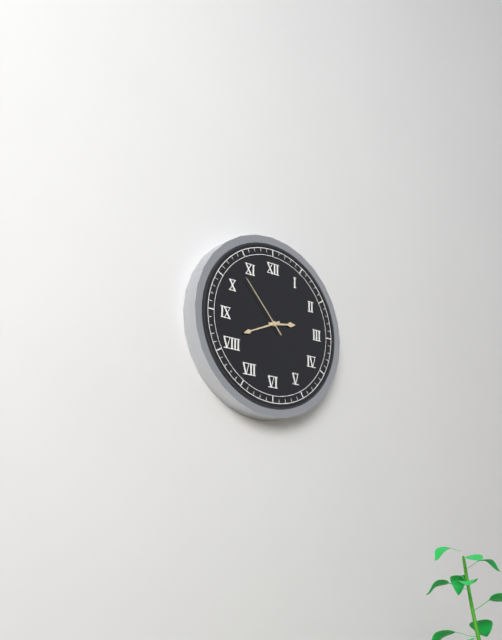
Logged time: h=2 m=41 s=53
